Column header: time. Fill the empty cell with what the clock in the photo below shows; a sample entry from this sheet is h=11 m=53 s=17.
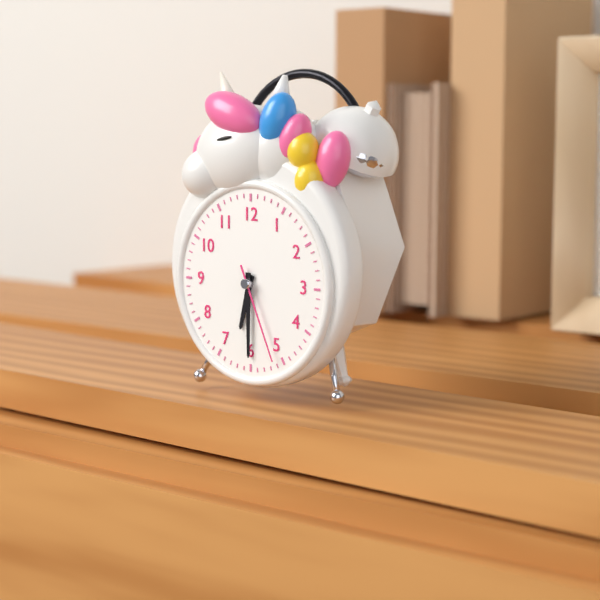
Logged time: h=6 m=30 s=26
